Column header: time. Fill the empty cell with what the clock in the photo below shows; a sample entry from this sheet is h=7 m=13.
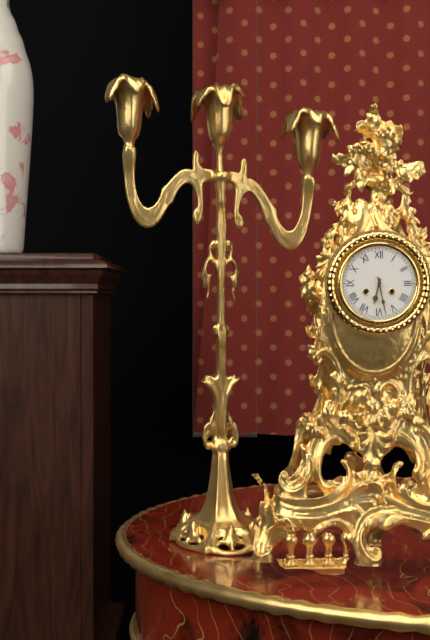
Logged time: h=6 m=28
